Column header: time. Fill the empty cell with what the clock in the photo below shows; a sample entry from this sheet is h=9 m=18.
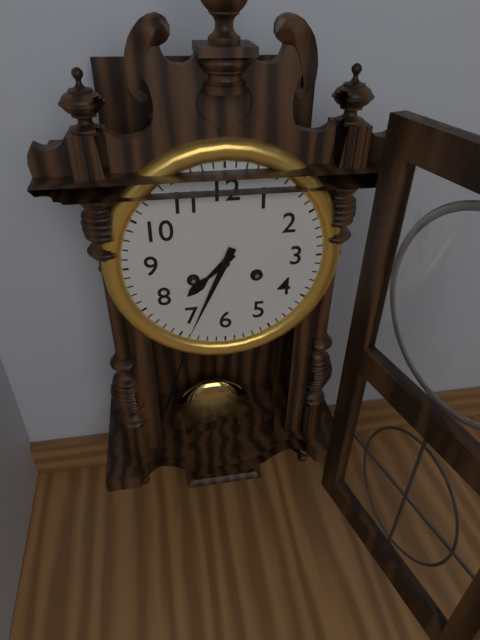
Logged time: h=7 m=34
